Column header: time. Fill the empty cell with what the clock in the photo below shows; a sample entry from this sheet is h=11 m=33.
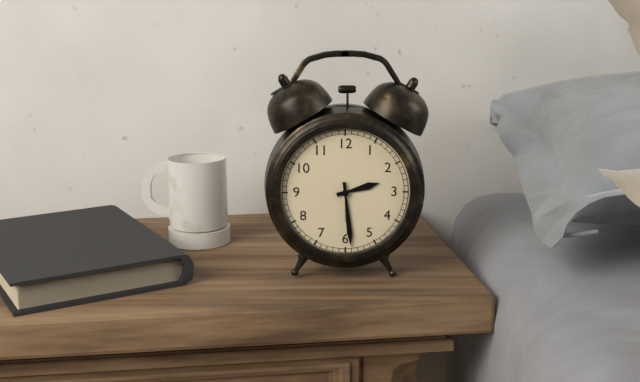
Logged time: h=2 m=29
